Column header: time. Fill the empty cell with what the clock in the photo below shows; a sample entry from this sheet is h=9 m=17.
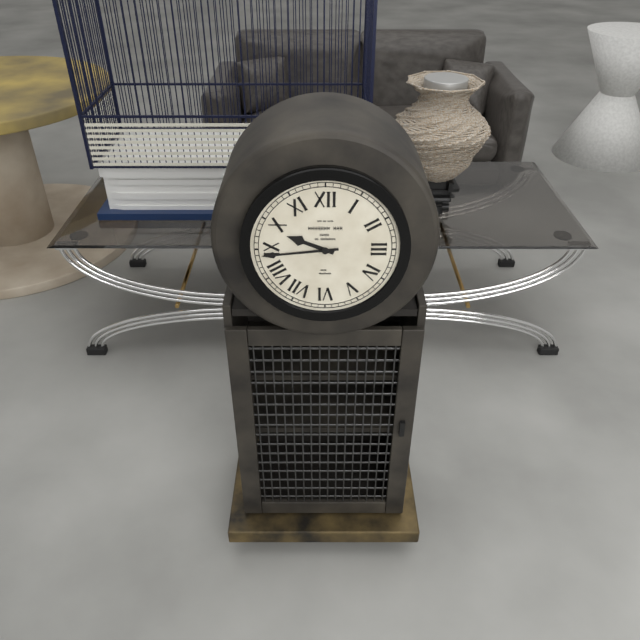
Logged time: h=9 m=44
